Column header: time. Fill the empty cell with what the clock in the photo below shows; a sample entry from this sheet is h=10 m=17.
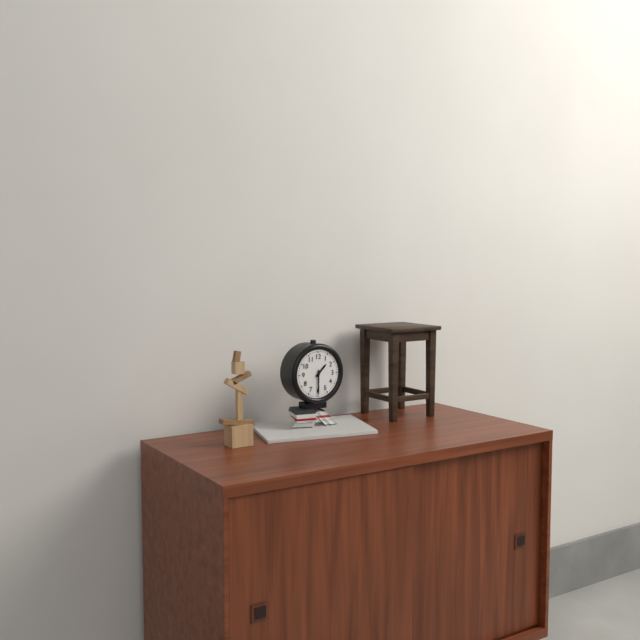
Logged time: h=1 m=30
